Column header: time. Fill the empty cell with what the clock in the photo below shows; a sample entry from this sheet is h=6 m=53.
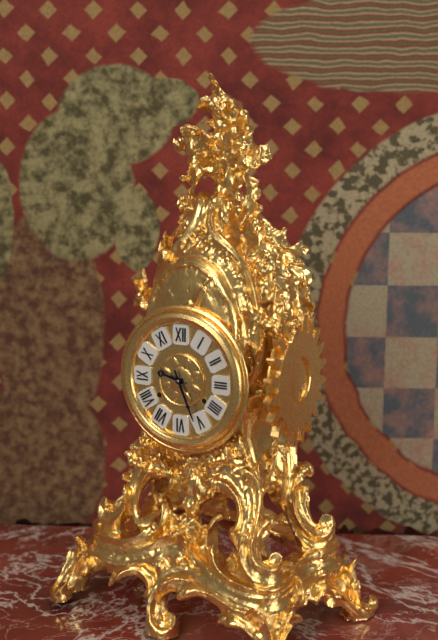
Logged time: h=9 m=26
